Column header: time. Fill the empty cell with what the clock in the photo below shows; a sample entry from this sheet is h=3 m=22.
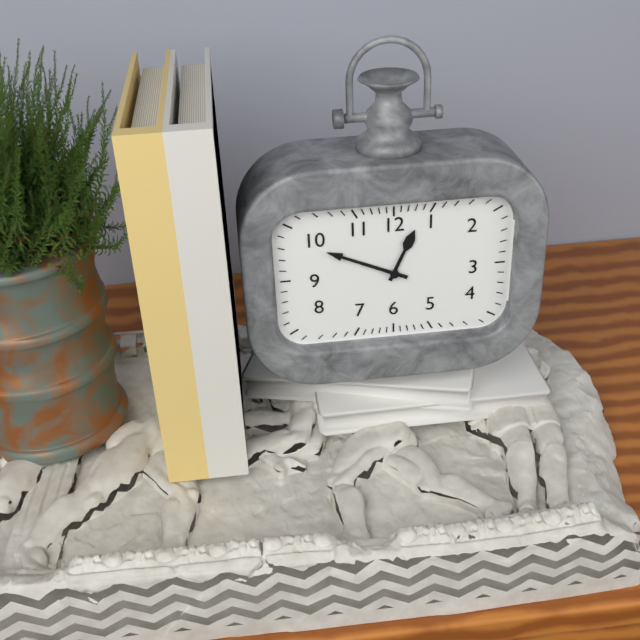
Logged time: h=12 m=49
